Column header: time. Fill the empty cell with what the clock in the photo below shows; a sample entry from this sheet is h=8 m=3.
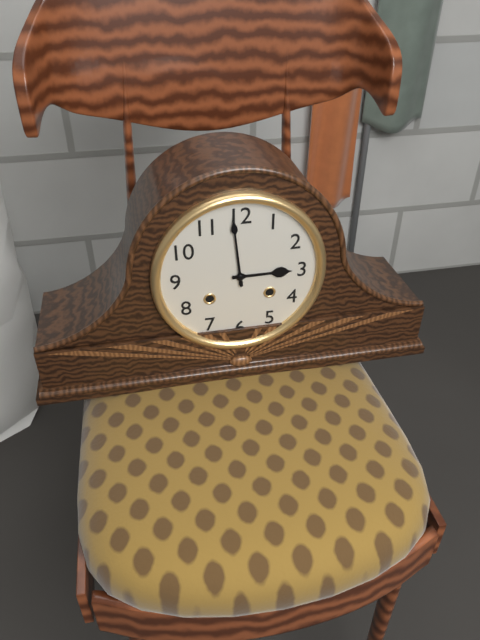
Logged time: h=2 m=59
